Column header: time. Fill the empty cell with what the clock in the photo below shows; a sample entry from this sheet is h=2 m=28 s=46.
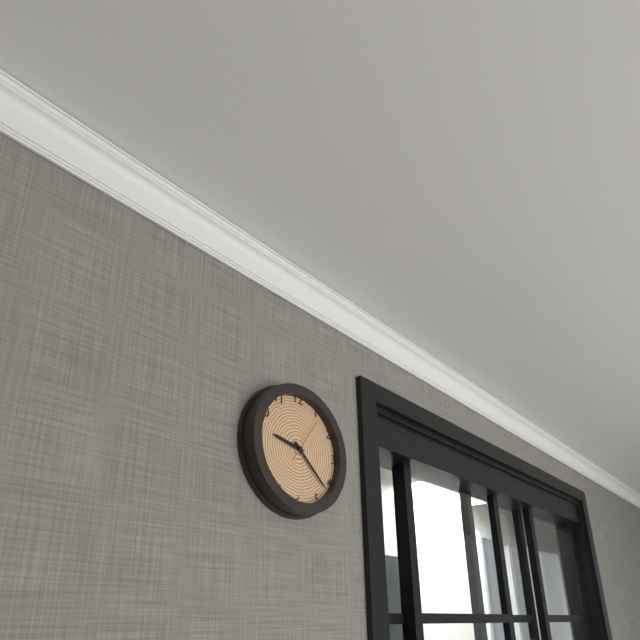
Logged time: h=9 m=22 s=6
